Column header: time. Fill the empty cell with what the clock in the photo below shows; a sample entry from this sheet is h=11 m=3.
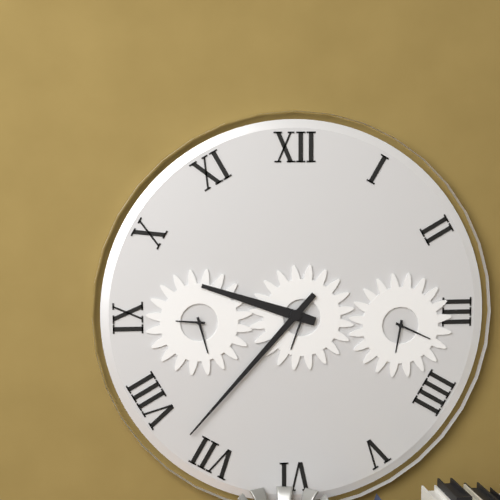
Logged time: h=9 m=37
